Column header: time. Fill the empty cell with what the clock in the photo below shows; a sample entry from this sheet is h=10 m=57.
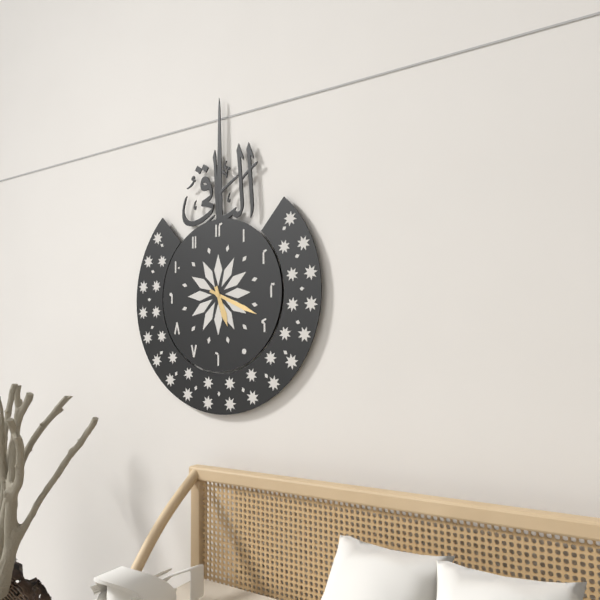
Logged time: h=5 m=19
